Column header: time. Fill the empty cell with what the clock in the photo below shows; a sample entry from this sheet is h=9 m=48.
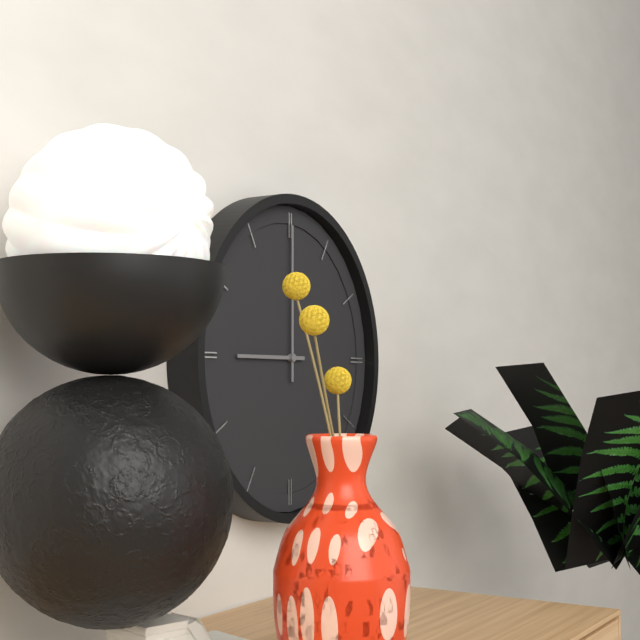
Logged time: h=9 m=0
